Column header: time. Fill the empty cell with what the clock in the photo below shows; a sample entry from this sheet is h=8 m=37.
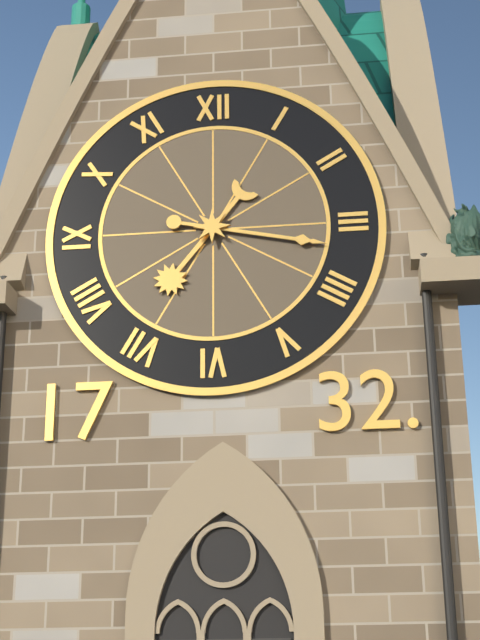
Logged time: h=7 m=17
